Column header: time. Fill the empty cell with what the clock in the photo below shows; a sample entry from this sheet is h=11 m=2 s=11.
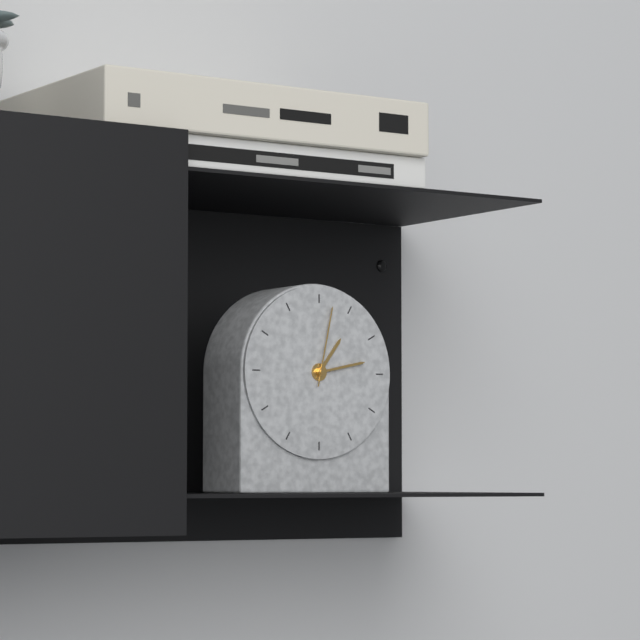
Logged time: h=1 m=13 s=2
